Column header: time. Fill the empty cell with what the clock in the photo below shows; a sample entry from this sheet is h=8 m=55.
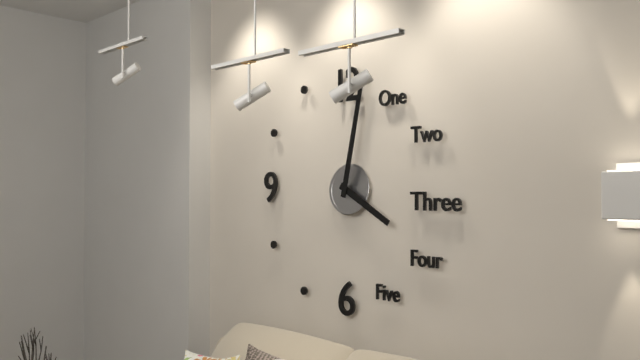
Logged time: h=4 m=2
